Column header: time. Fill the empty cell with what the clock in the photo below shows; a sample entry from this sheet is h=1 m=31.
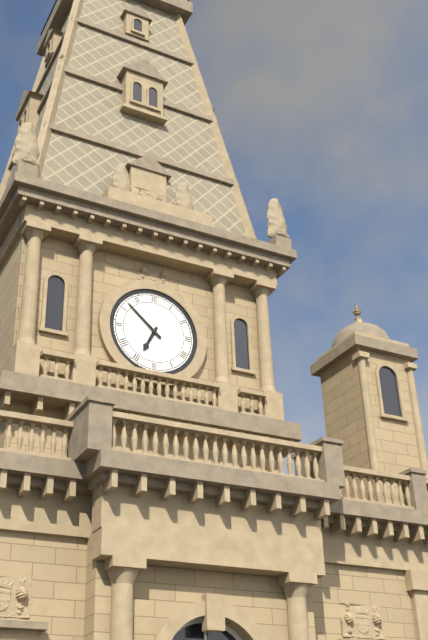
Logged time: h=6 m=52
